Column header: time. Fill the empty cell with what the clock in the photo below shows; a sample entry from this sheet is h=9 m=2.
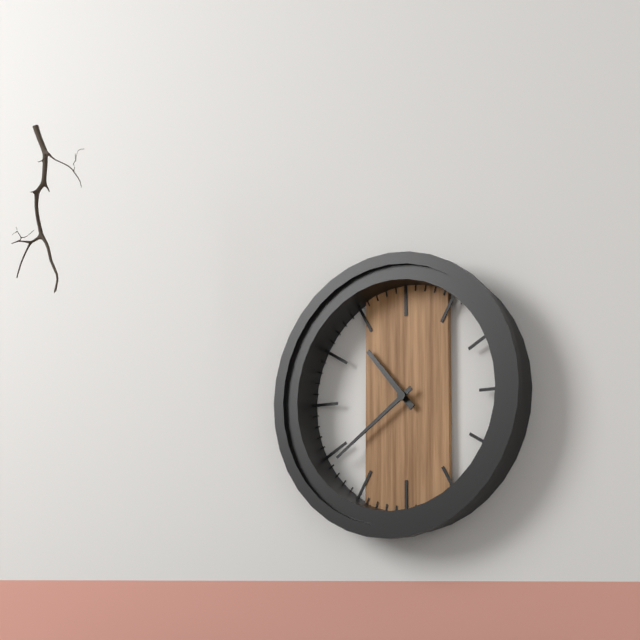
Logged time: h=10 m=39
